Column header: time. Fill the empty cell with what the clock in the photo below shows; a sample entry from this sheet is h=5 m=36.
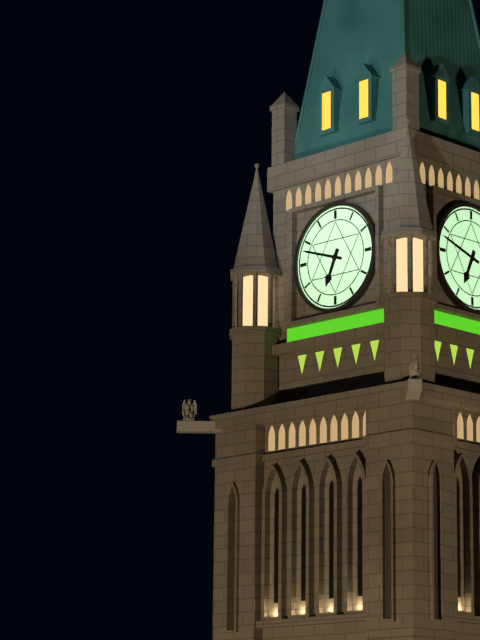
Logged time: h=6 m=48
